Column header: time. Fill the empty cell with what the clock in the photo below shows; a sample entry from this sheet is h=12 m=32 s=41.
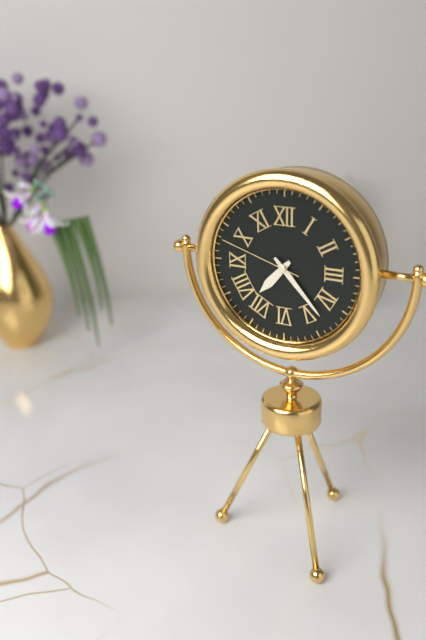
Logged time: h=7 m=23 s=48
